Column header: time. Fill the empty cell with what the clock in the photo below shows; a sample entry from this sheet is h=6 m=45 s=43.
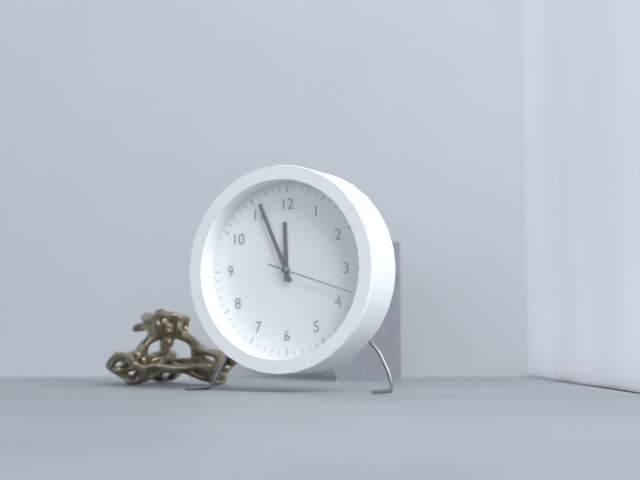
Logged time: h=11 m=56 s=18
